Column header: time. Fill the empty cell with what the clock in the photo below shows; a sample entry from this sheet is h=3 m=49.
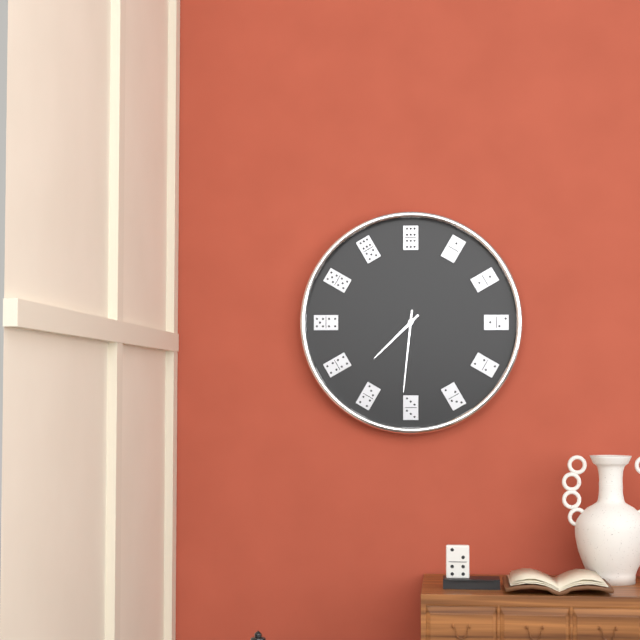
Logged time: h=7 m=31
